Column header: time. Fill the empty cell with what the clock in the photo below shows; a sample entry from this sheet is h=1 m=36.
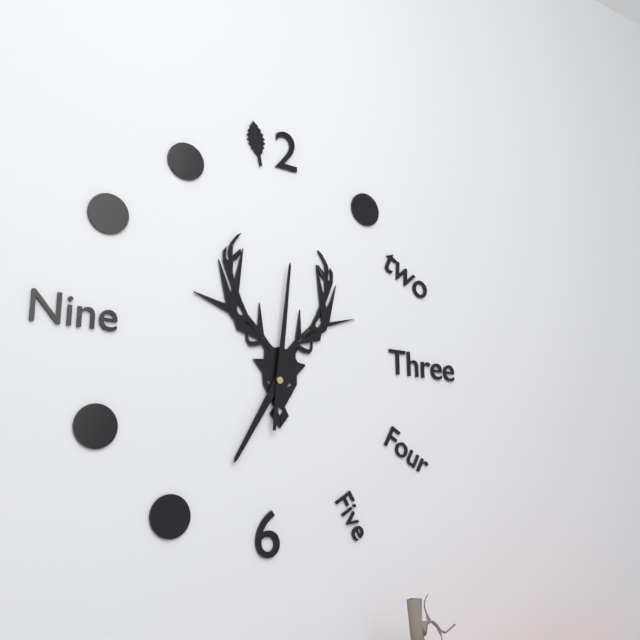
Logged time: h=7 m=1
